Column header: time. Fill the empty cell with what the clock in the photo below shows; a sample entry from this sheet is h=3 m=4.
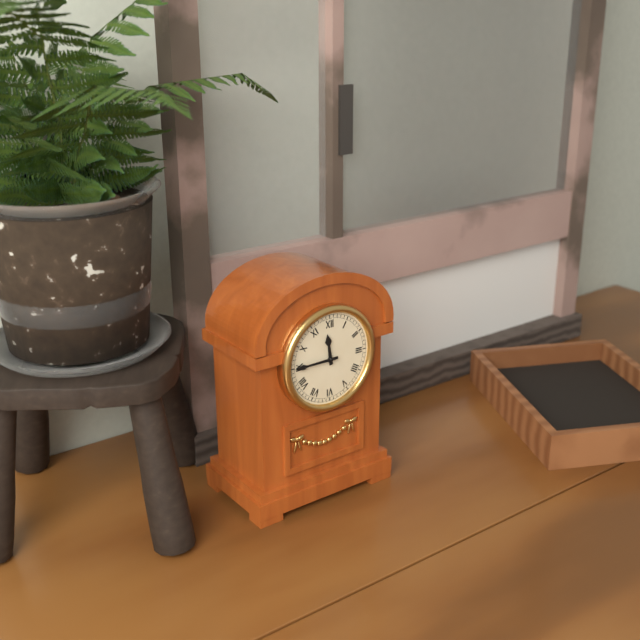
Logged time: h=11 m=45
